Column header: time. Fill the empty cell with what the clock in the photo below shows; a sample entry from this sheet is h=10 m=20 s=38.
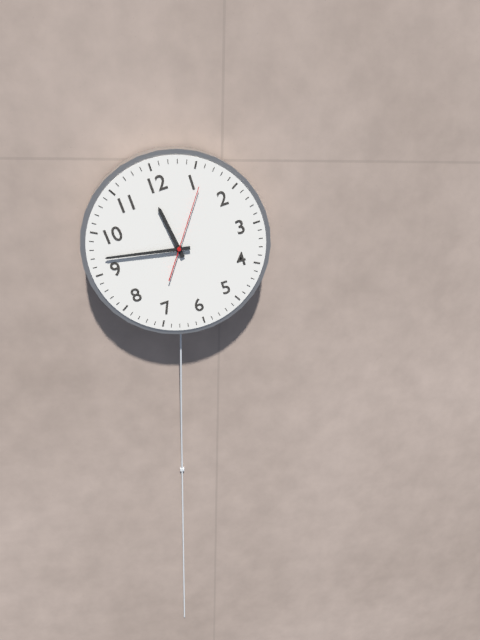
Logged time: h=11 m=47 s=6
